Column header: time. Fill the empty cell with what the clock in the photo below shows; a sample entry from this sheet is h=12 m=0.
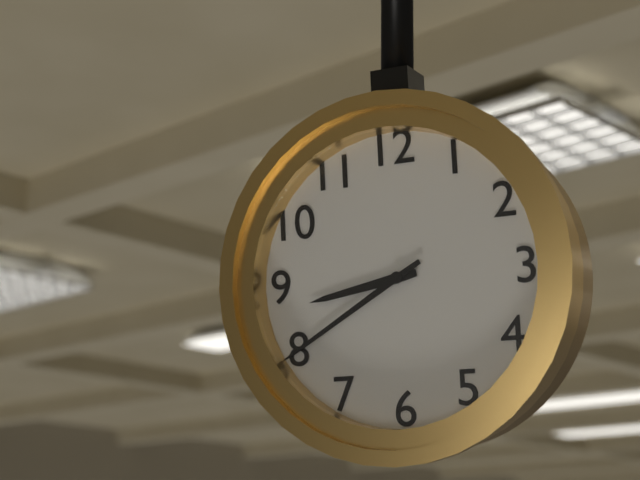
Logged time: h=8 m=40
